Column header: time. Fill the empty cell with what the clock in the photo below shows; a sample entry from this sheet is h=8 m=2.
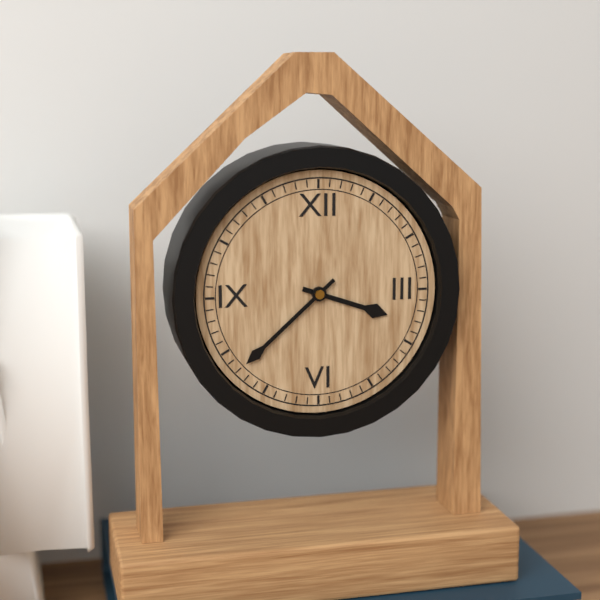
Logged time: h=3 m=38
